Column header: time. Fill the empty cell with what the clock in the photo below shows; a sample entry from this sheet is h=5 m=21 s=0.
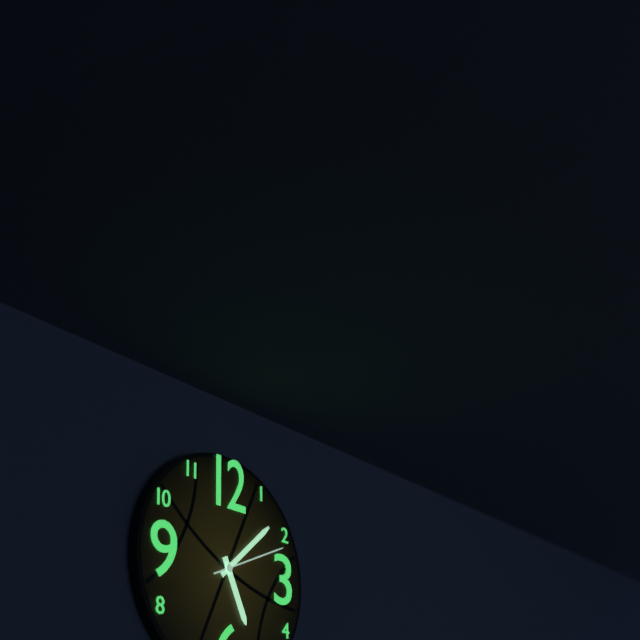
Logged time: h=5 m=8 s=11
